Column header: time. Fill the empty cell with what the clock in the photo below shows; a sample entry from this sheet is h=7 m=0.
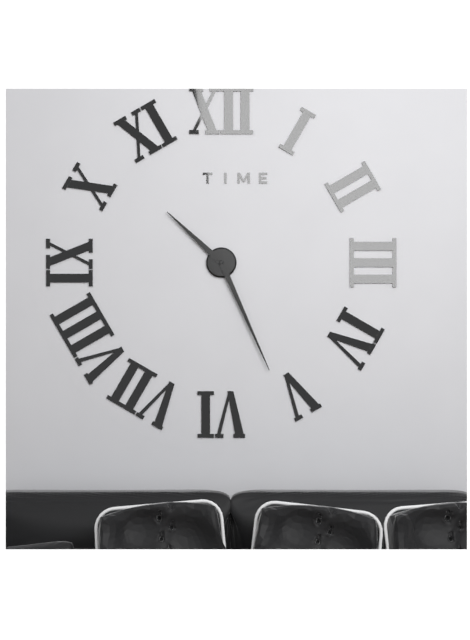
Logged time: h=10 m=26
